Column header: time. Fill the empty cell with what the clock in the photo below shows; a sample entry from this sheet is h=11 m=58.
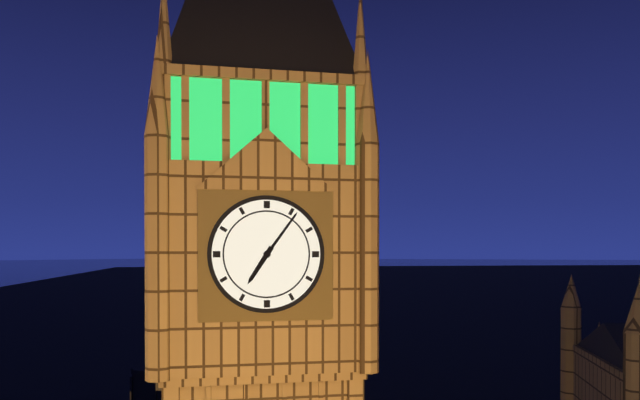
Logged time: h=7 m=6
